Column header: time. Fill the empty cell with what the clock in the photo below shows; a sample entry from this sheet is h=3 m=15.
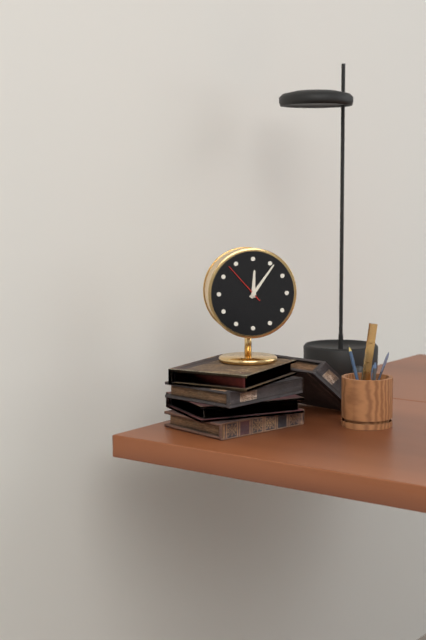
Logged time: h=12 m=6
